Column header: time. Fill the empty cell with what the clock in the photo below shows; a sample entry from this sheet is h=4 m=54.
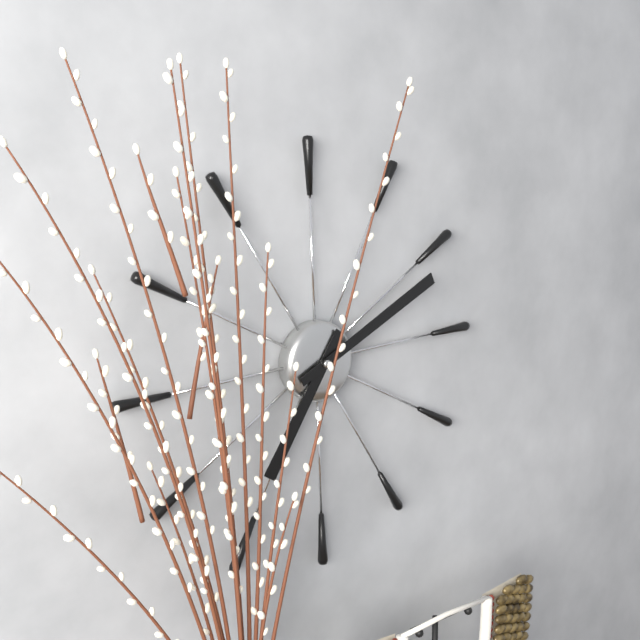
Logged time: h=7 m=11
